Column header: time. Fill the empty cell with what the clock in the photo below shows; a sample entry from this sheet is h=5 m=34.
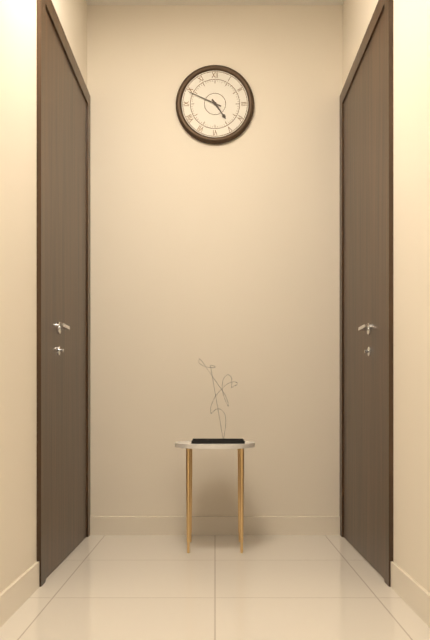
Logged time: h=4 m=49
